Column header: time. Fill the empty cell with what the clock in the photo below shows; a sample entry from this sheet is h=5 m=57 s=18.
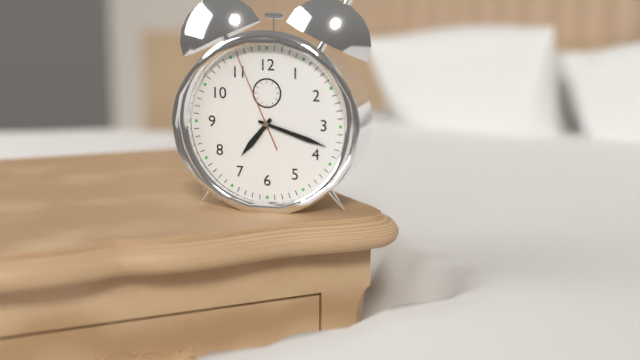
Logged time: h=7 m=18 s=56
